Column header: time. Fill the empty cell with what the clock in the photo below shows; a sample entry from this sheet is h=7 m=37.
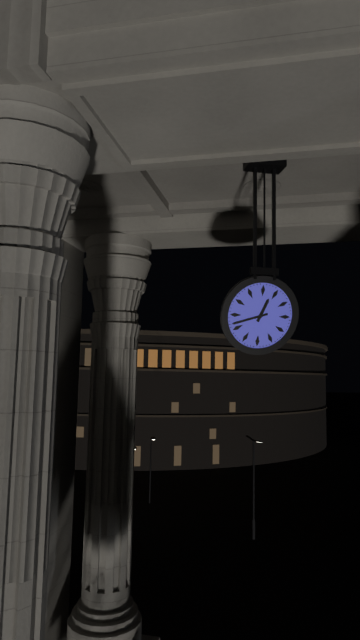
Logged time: h=12 m=42
